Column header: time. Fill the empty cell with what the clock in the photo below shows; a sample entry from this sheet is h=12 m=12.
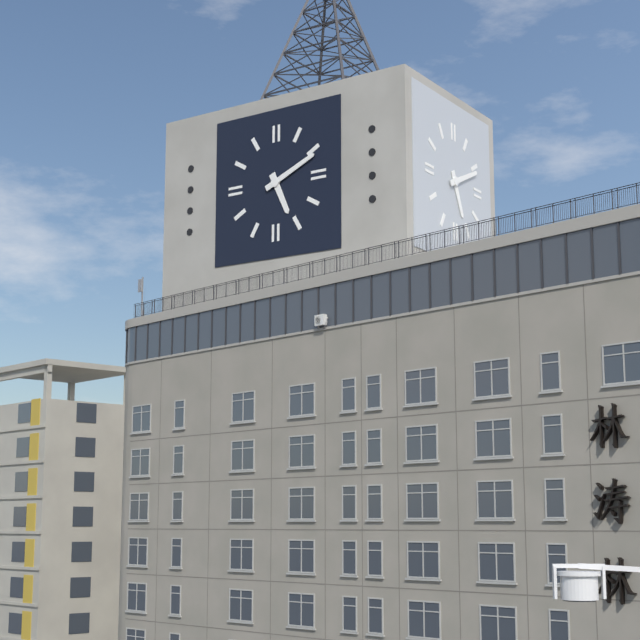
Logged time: h=5 m=11
